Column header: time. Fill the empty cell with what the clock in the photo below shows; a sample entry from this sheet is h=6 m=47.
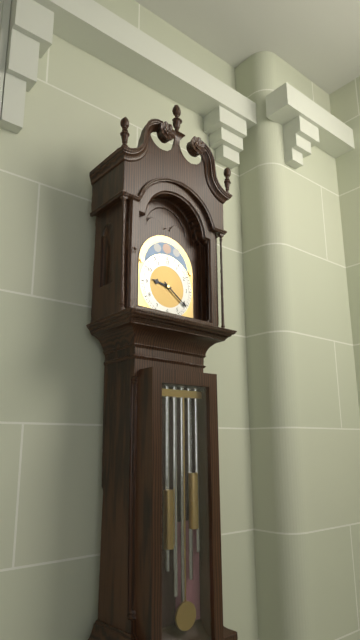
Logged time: h=9 m=21
